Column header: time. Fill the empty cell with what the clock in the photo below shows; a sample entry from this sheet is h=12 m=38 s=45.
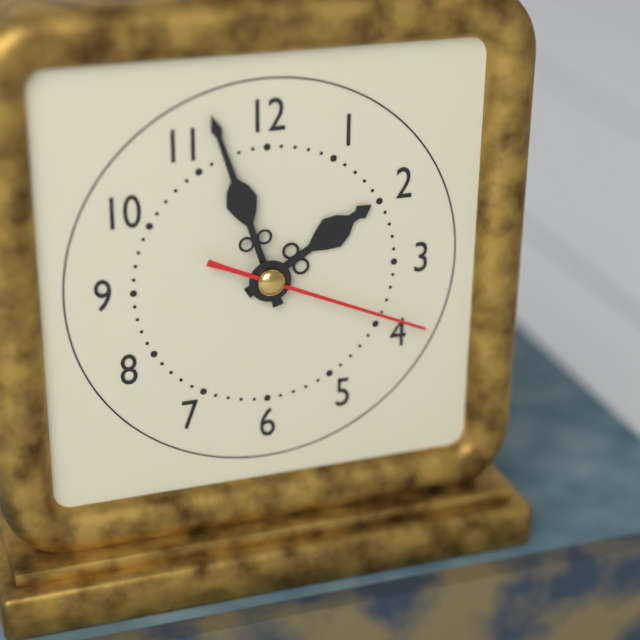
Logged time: h=1 m=57 s=19
